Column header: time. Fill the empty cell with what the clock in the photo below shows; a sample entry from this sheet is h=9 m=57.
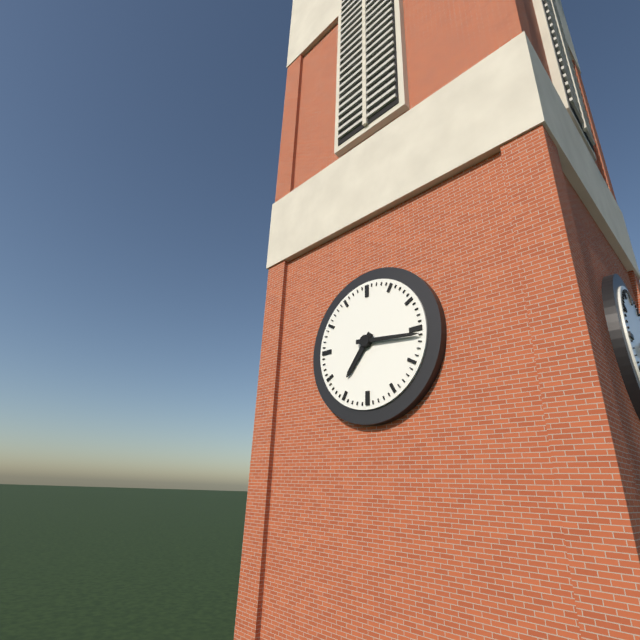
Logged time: h=7 m=16
